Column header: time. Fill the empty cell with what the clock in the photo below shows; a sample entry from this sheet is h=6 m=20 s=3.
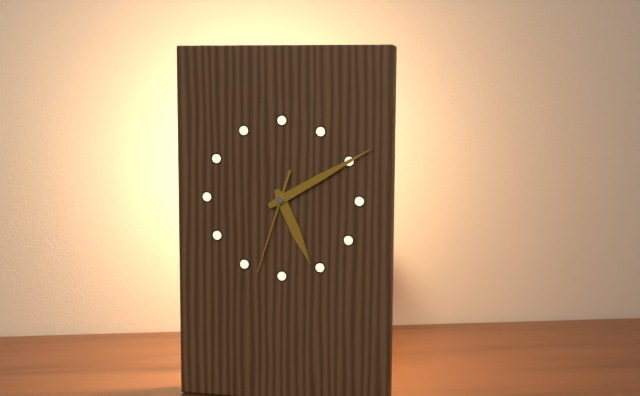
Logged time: h=5 m=10 s=33
